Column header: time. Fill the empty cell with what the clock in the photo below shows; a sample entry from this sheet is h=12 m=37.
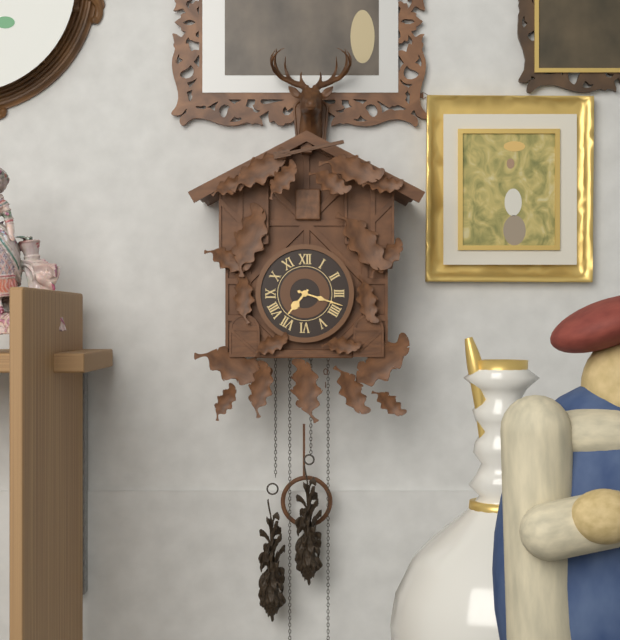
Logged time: h=7 m=18
